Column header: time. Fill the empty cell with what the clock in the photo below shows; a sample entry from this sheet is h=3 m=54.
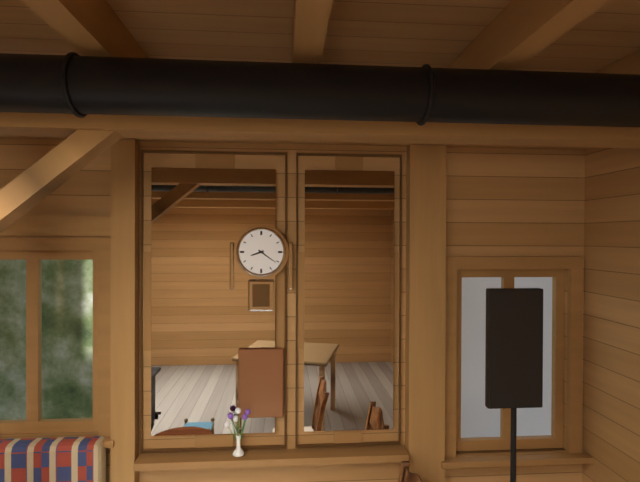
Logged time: h=8 m=21
